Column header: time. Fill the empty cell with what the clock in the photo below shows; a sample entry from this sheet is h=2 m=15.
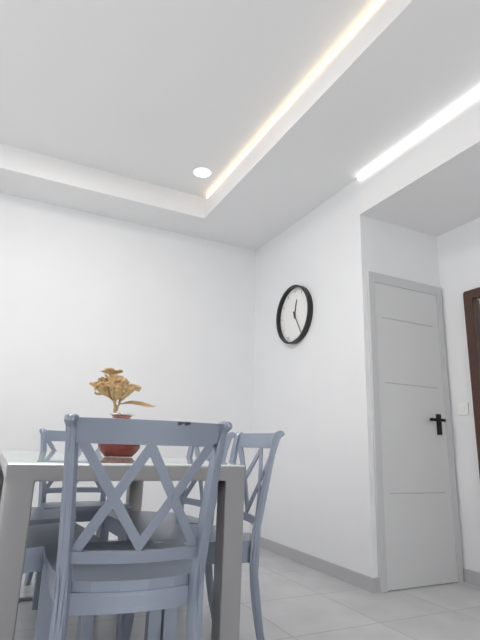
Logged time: h=12 m=25
